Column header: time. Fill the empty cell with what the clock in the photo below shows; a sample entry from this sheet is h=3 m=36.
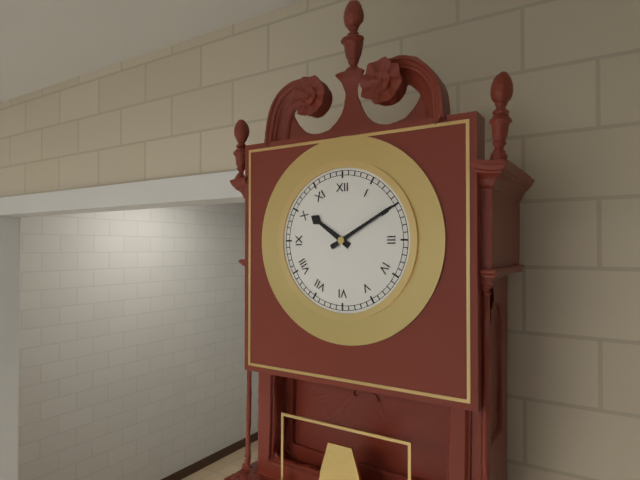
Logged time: h=10 m=10
